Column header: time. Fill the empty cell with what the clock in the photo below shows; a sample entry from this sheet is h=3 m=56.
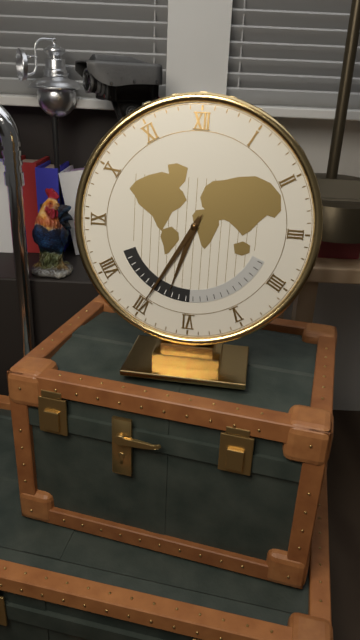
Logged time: h=6 m=35
